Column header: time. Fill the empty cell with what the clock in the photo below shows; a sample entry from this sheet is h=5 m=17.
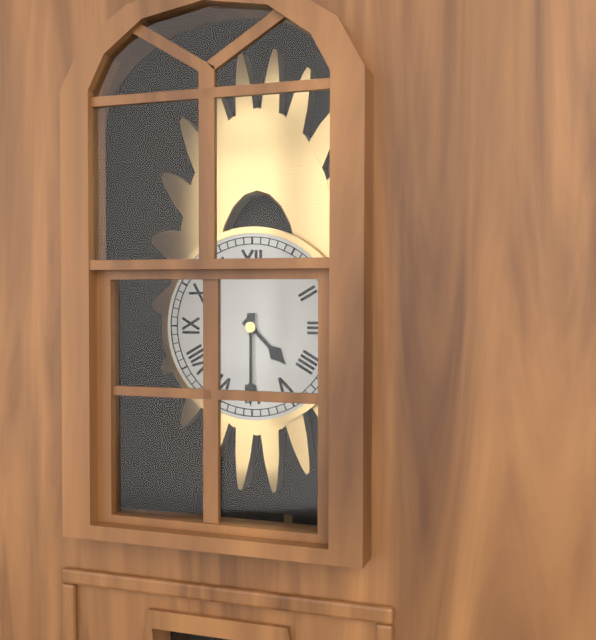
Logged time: h=4 m=30
